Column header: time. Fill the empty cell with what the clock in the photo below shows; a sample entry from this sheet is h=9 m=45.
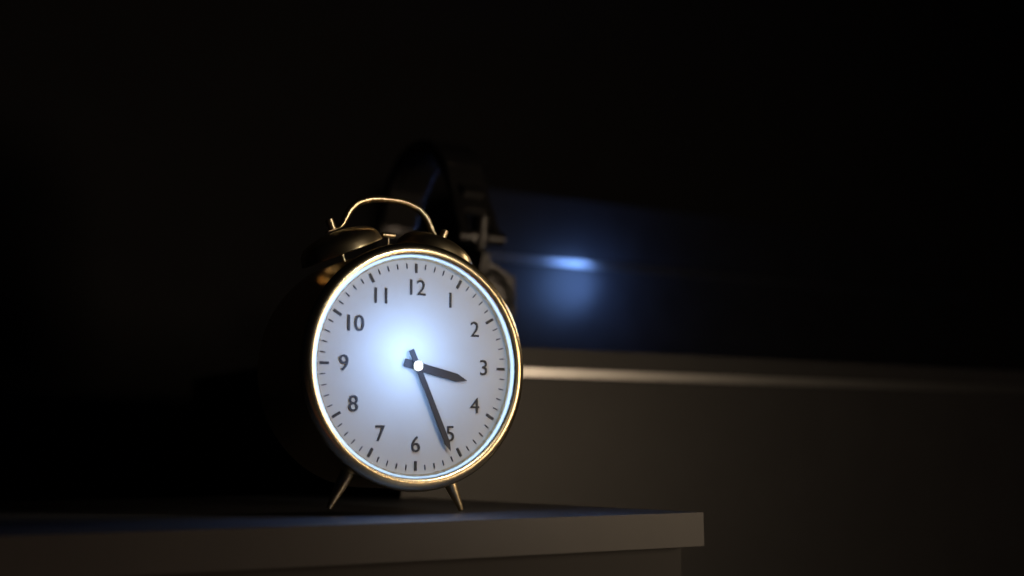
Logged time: h=3 m=26
